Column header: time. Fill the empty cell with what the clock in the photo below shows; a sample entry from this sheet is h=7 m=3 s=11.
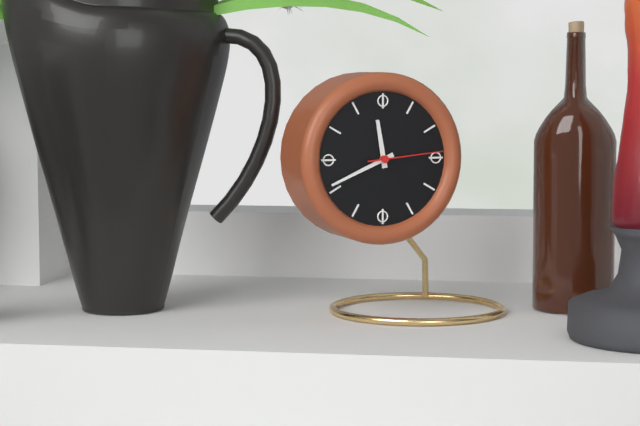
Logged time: h=11 m=41 s=14
